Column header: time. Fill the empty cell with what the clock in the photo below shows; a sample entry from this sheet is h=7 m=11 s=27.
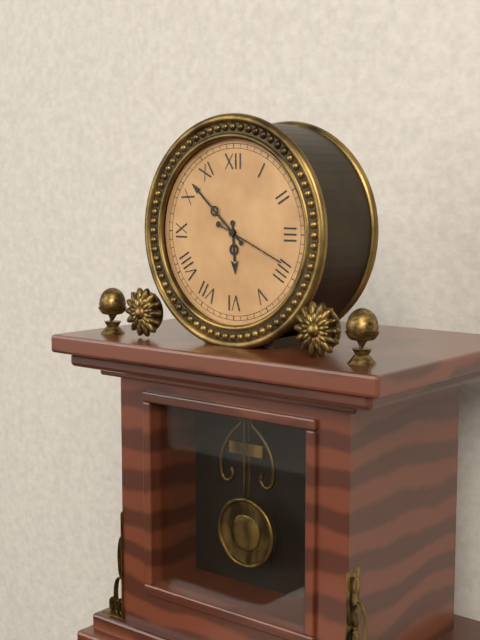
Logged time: h=5 m=52 s=19
